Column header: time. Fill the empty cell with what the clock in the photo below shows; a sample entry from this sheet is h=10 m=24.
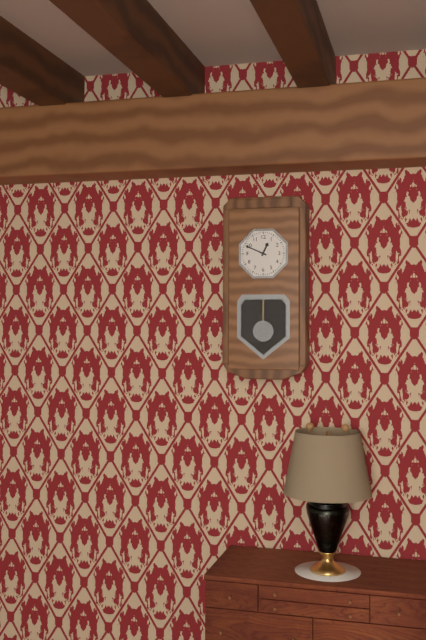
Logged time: h=12 m=49
